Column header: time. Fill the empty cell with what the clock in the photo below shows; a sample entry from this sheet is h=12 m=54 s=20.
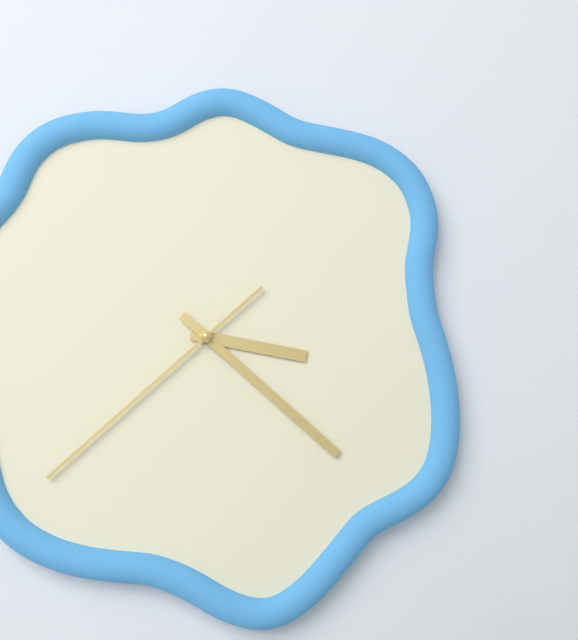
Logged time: h=3 m=22 s=38
